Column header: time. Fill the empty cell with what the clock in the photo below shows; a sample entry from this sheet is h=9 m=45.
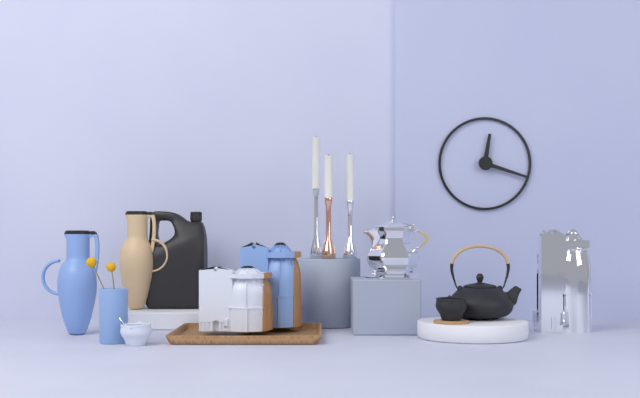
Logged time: h=12 m=18
